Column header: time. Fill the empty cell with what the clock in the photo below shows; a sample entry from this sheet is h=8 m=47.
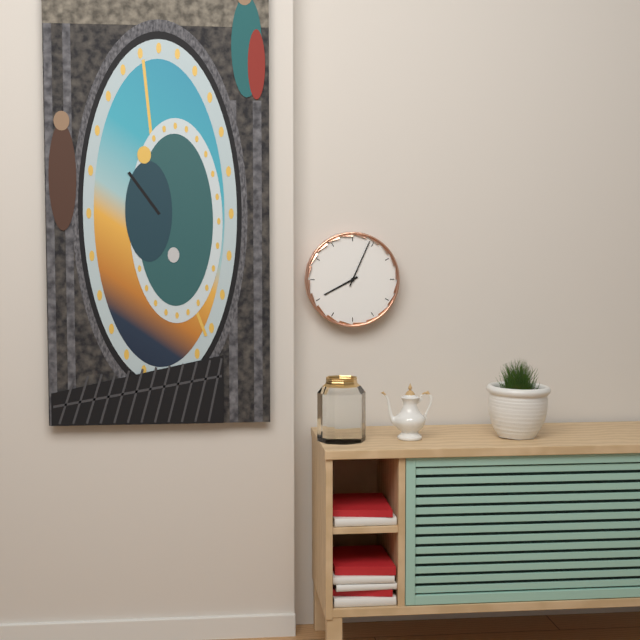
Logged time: h=8 m=4
